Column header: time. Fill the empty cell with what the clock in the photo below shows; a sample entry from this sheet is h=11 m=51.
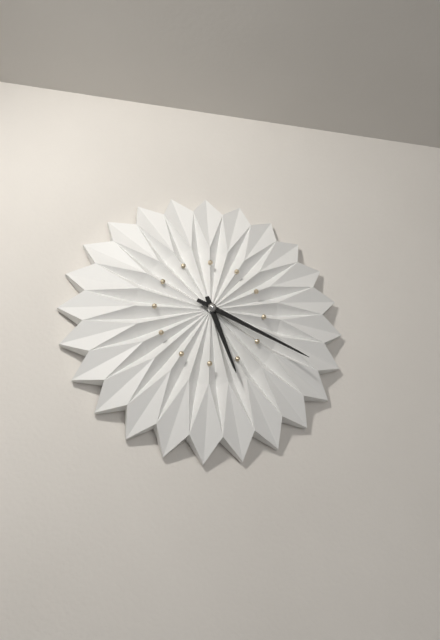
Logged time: h=5 m=19
